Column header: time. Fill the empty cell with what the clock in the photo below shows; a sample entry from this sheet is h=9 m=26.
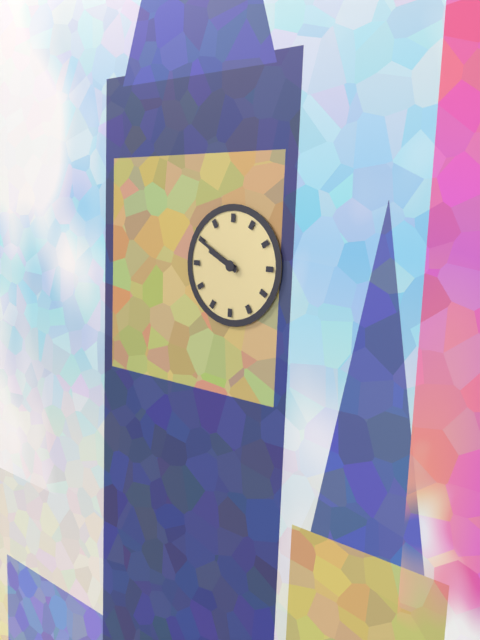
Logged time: h=9 m=50
